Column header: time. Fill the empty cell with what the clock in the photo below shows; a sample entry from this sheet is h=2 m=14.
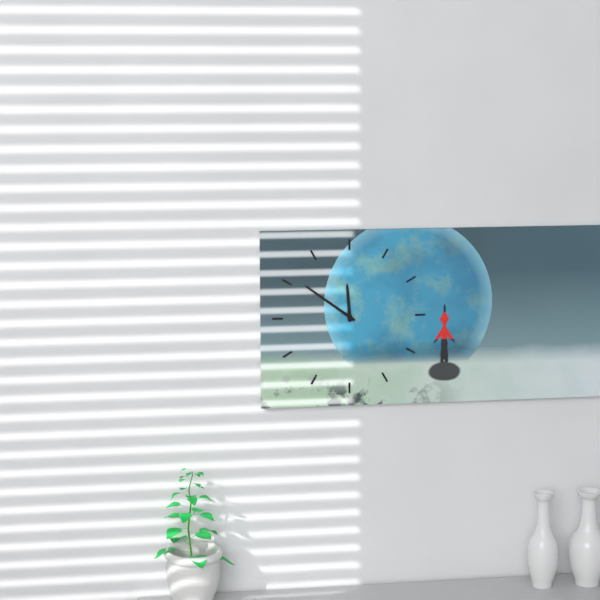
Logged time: h=11 m=51
